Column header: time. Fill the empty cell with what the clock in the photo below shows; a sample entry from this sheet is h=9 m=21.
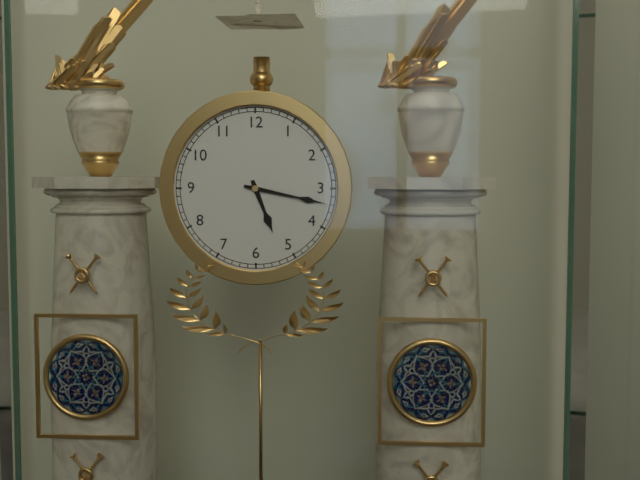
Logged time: h=5 m=17
